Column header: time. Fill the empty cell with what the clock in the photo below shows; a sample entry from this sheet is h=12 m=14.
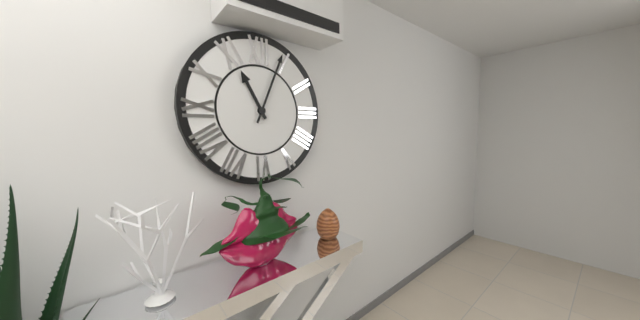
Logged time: h=11 m=4
